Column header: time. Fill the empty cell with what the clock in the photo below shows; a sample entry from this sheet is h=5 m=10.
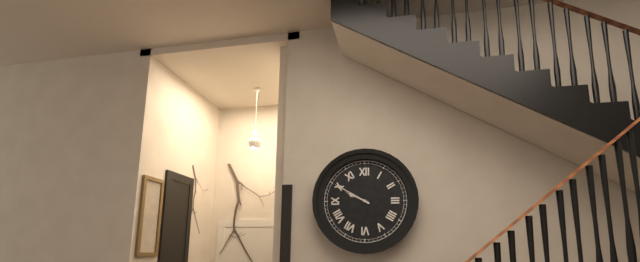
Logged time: h=9 m=50
